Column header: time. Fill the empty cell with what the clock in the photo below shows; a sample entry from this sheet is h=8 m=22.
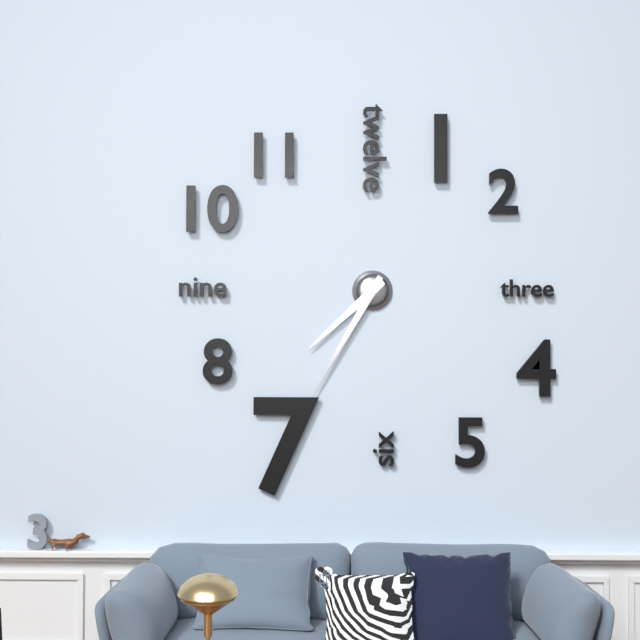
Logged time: h=7 m=35
